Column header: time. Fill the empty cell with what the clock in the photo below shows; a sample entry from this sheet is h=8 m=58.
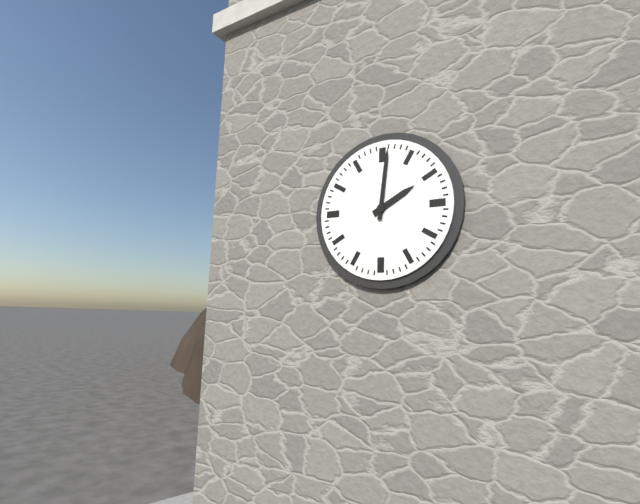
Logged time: h=2 m=1
